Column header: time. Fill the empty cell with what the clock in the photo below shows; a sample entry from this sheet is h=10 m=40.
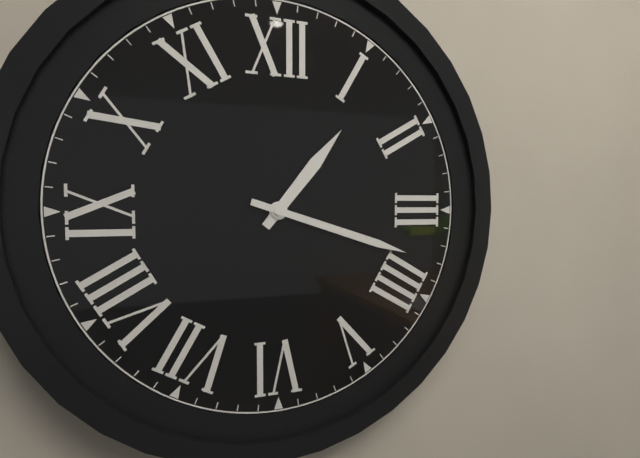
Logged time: h=1 m=18
